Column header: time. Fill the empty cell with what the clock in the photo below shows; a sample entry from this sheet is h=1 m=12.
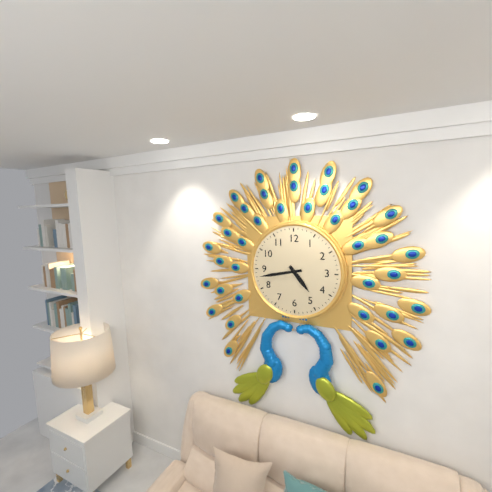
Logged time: h=4 m=43
